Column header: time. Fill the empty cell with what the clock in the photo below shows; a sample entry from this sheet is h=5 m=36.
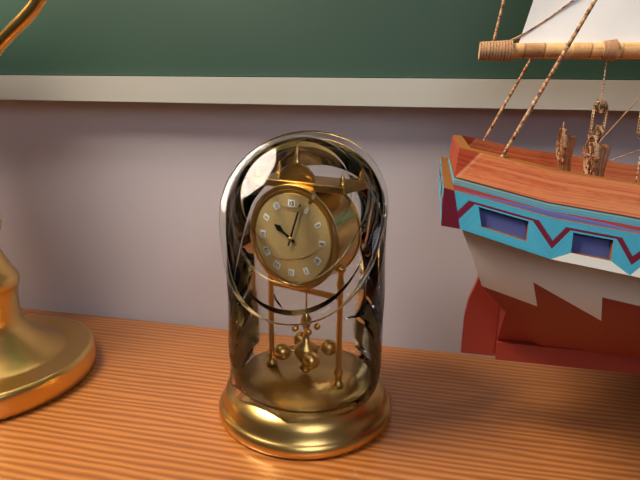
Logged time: h=10 m=3
